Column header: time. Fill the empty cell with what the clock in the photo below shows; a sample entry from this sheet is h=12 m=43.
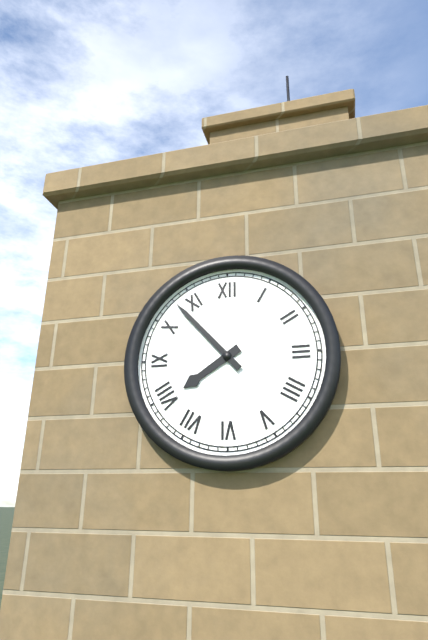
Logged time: h=7 m=53
